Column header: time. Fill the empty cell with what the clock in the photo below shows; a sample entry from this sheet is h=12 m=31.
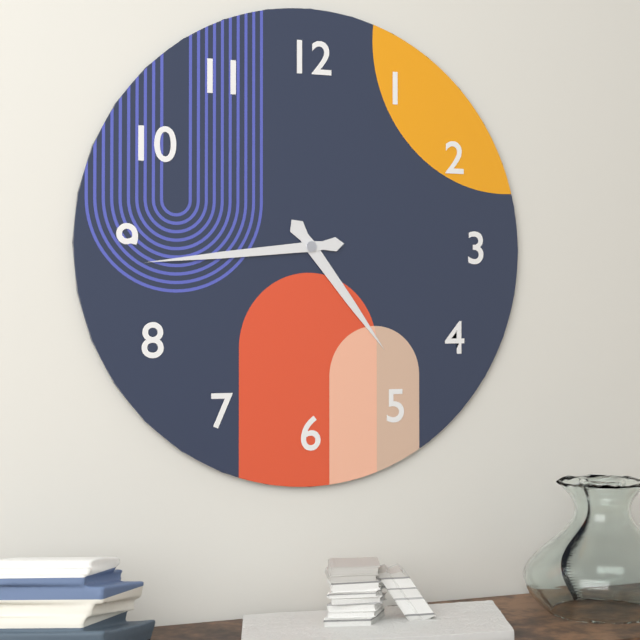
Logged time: h=4 m=44
